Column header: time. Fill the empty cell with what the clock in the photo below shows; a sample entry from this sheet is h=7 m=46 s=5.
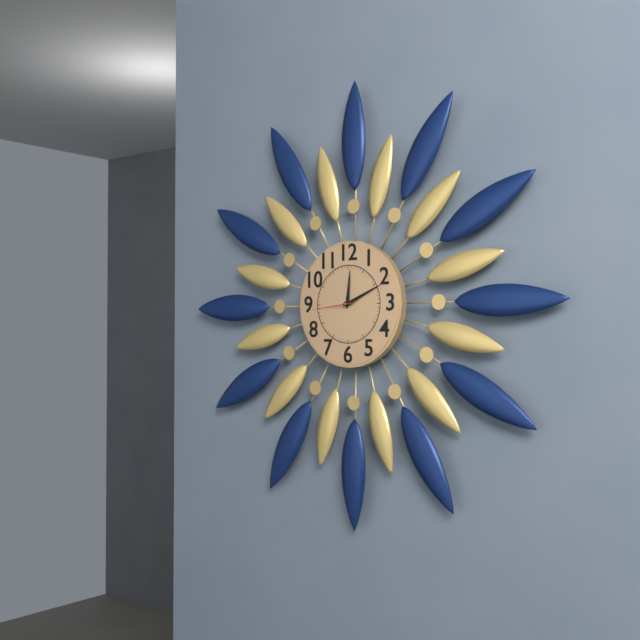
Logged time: h=12 m=11 s=44
